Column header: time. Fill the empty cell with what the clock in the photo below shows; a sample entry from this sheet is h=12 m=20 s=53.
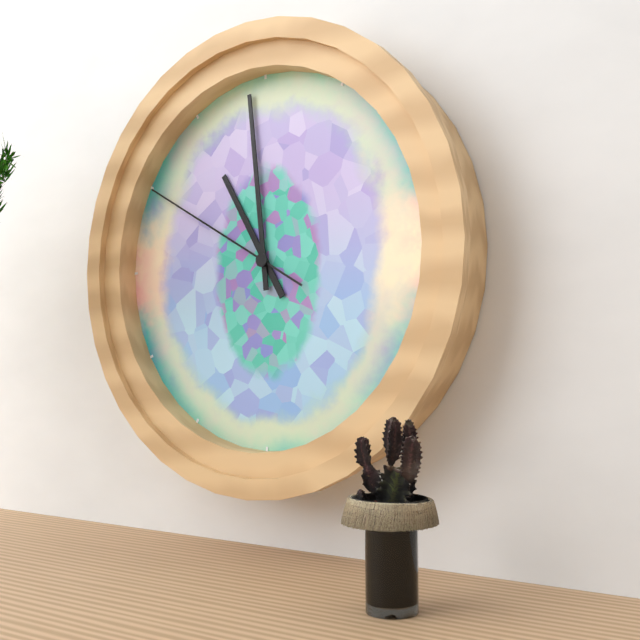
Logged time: h=10 m=59 s=50
